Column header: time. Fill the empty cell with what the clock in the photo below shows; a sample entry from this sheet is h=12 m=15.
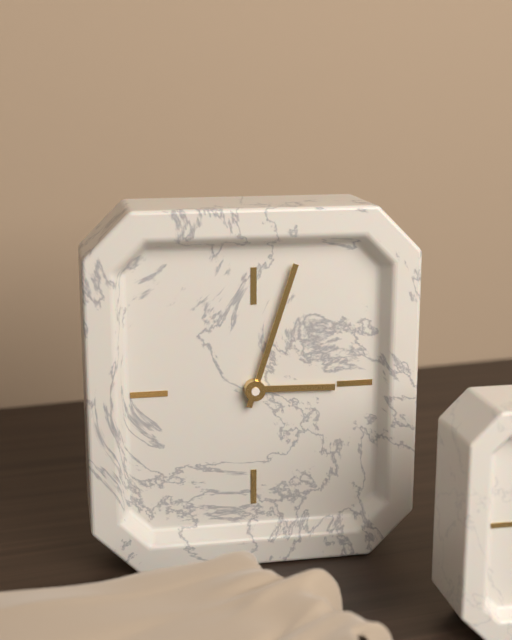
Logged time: h=3 m=3
